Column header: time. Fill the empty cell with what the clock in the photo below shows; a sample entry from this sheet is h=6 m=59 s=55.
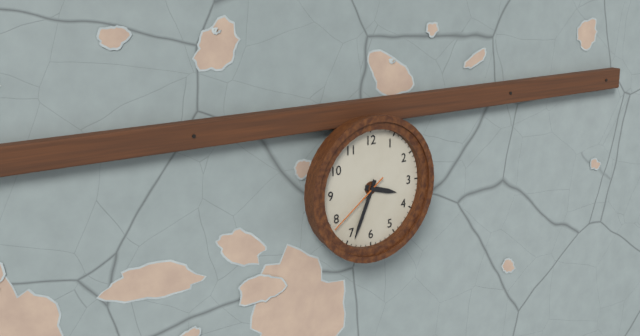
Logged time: h=3 m=34 s=39
